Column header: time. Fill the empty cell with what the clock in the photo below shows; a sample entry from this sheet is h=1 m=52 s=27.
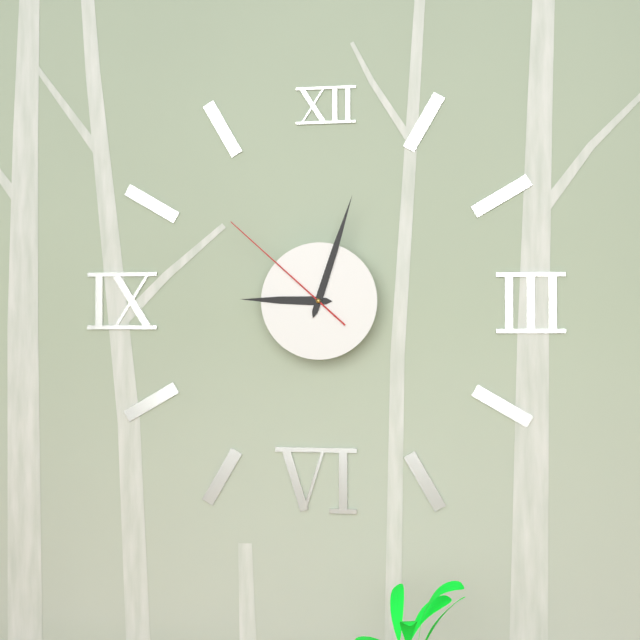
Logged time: h=9 m=3 s=52
